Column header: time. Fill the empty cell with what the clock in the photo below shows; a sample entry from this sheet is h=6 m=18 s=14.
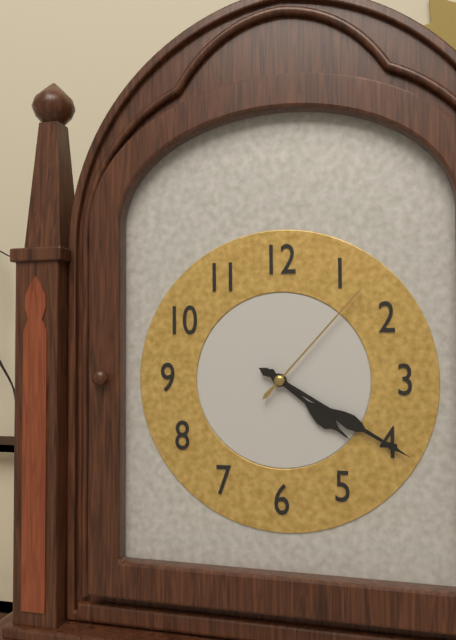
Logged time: h=4 m=20 s=7
